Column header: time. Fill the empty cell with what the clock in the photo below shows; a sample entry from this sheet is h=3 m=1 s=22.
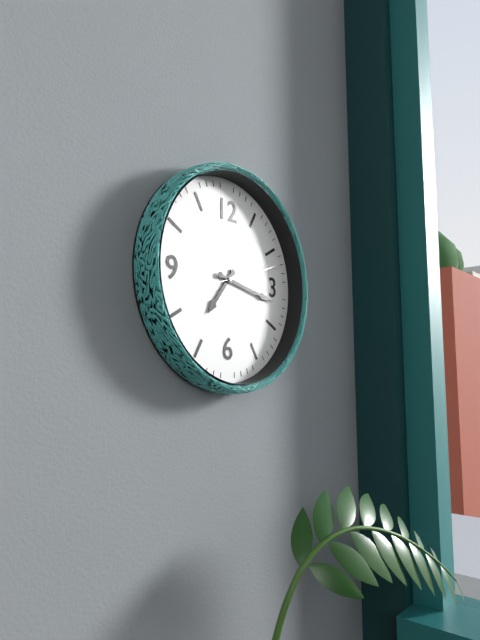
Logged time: h=7 m=17 s=12
